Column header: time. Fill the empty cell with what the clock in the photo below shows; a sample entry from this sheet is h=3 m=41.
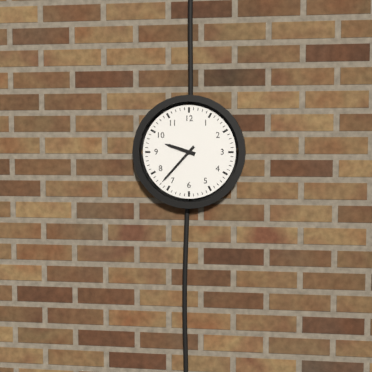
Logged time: h=9 m=37
